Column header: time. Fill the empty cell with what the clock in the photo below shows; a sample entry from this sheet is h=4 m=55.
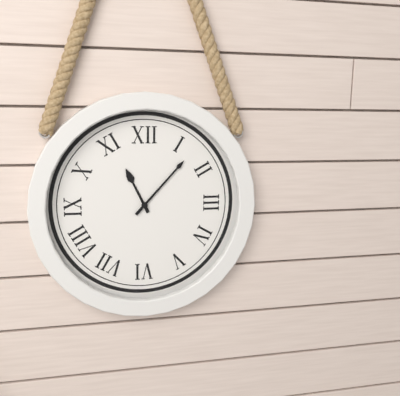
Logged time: h=11 m=7
